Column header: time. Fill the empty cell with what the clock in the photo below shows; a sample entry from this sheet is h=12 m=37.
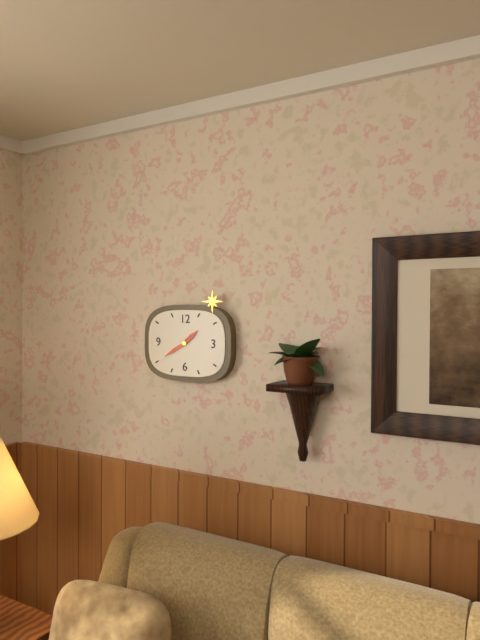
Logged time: h=1 m=40
